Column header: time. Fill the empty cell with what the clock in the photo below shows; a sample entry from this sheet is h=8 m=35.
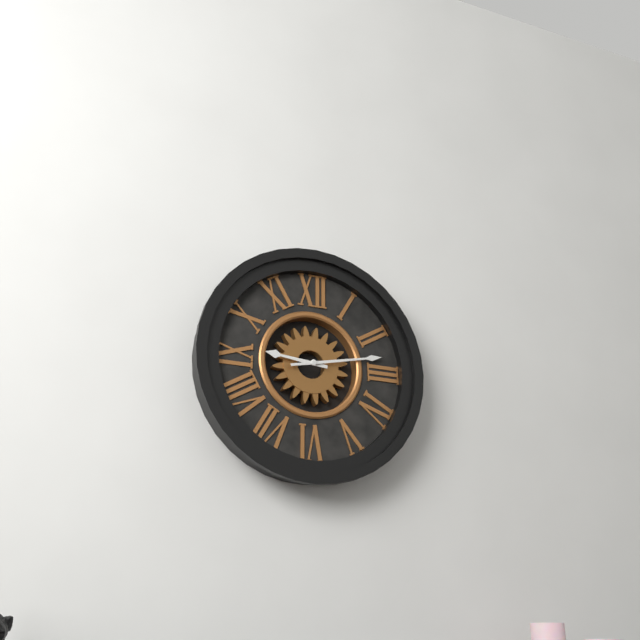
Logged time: h=9 m=13
